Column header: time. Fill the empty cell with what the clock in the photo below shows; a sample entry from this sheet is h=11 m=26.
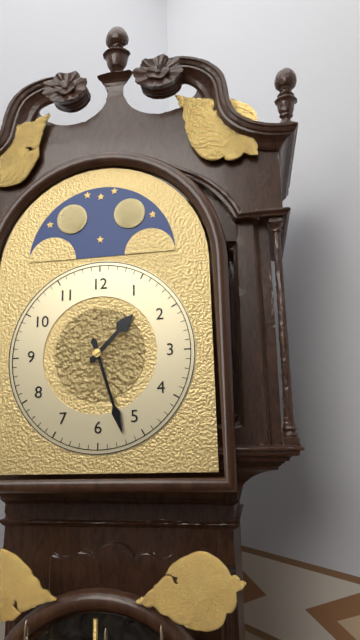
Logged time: h=1 m=27
